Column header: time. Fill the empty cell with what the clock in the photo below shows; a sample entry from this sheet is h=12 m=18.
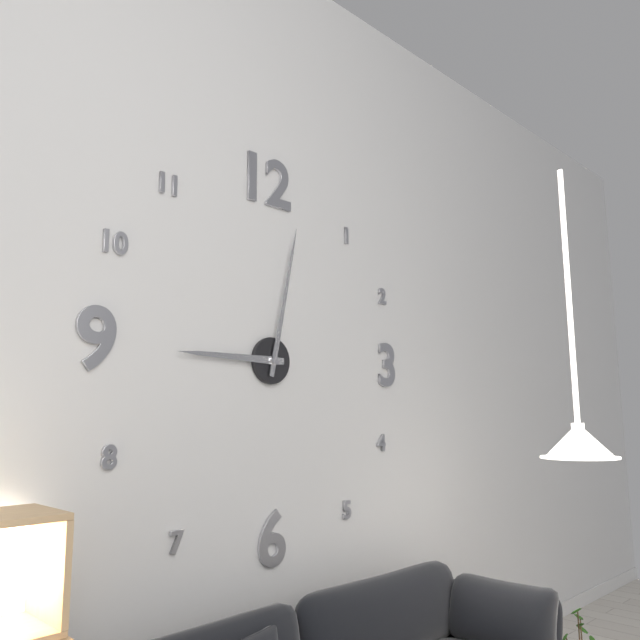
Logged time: h=9 m=2
